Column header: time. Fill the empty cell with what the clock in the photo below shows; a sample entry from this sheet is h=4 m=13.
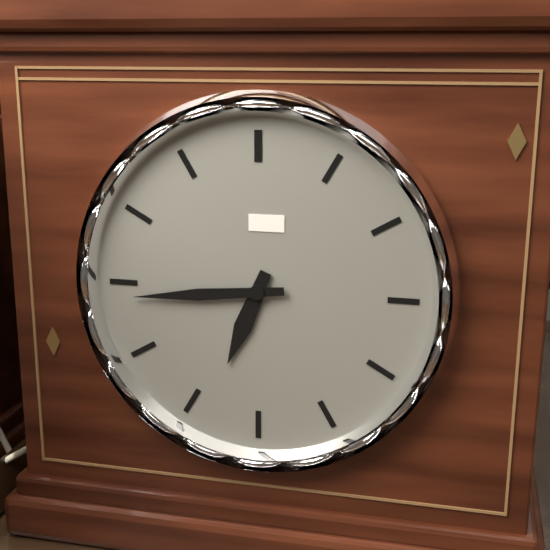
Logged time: h=6 m=44
